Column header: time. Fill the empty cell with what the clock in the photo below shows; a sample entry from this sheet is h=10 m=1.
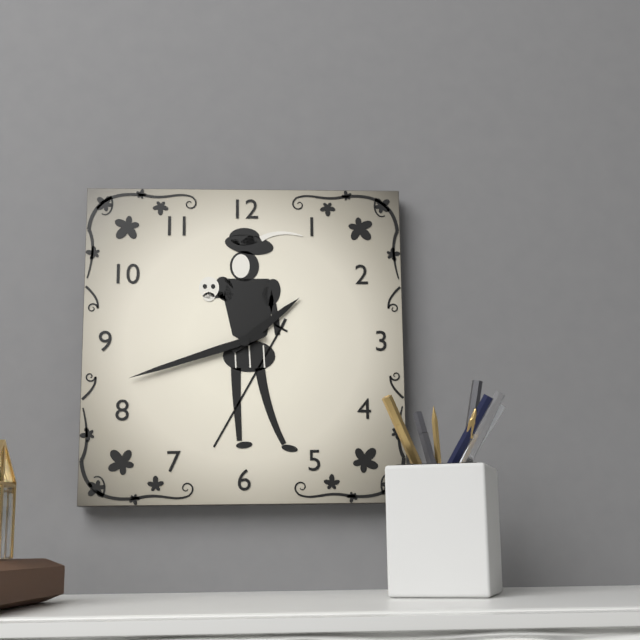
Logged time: h=1 m=42
